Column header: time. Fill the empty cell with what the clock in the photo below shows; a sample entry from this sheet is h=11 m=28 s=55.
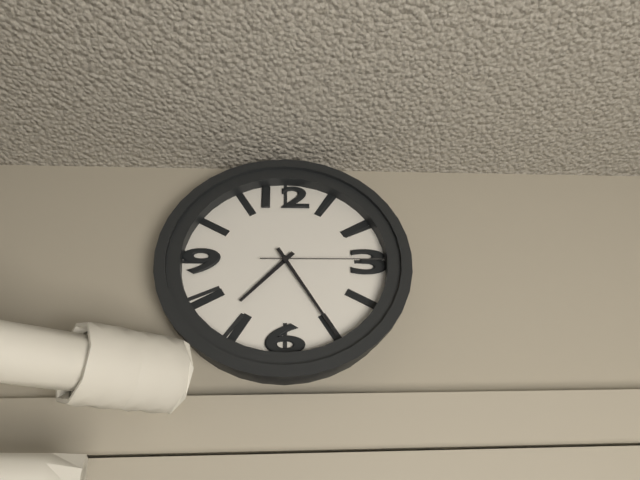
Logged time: h=7 m=25 s=15
